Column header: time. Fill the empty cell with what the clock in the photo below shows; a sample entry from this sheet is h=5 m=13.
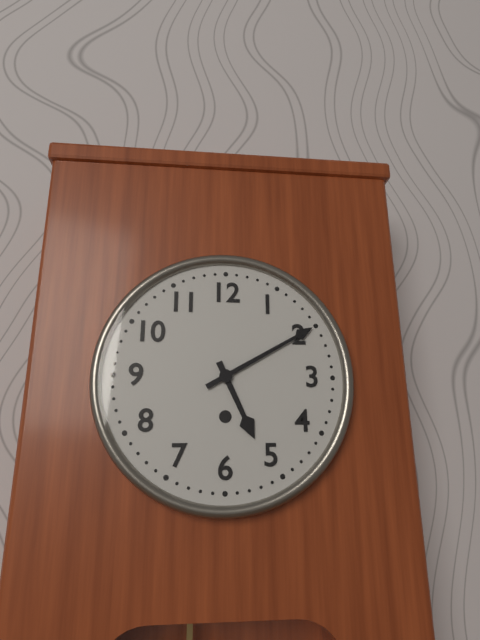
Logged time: h=5 m=10
